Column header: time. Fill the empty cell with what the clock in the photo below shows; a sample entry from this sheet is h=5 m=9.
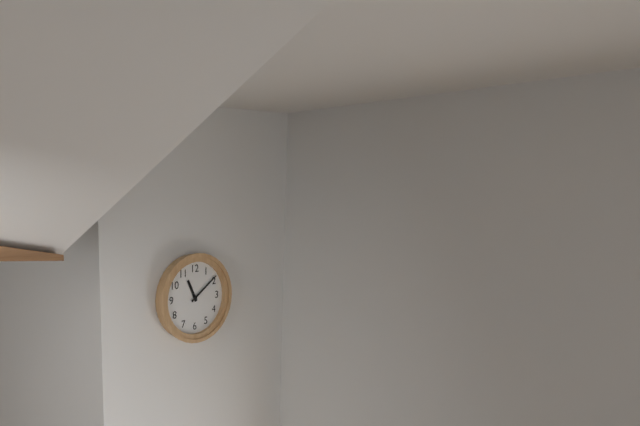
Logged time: h=11 m=9
